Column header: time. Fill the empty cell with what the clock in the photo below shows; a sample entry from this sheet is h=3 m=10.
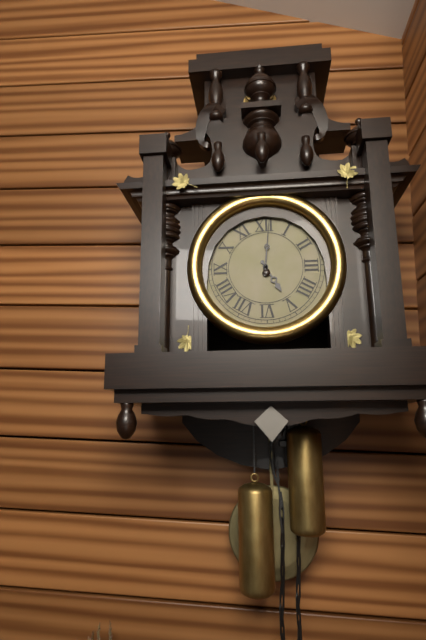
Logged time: h=5 m=1
